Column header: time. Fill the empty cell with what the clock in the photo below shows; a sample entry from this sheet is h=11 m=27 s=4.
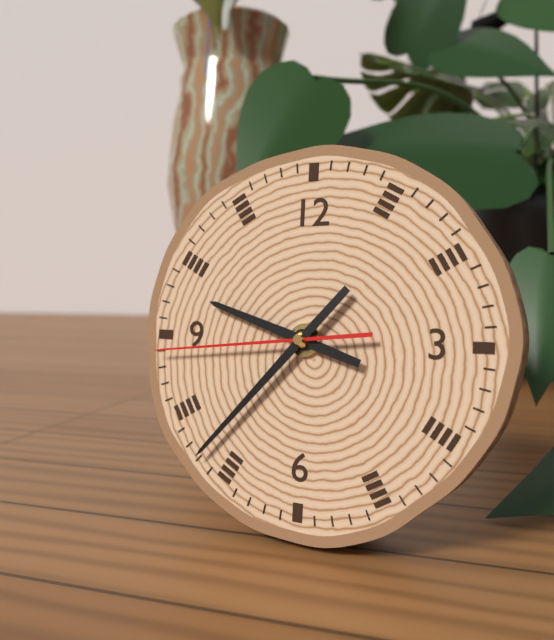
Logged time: h=9 m=37 s=44
